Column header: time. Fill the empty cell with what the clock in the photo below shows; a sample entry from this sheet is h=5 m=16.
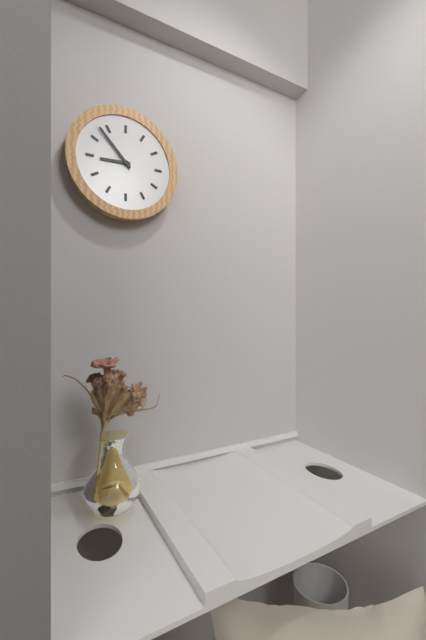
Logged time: h=8 m=53
